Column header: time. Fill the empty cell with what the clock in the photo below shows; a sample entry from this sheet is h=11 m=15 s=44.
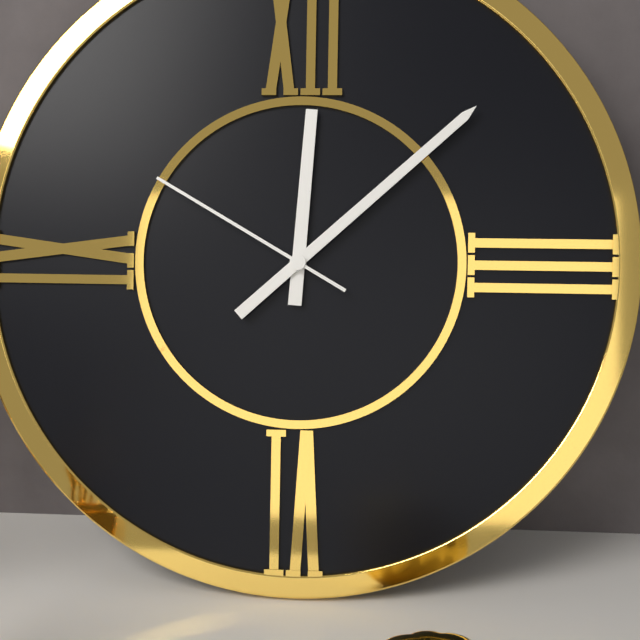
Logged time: h=12 m=8 s=50
